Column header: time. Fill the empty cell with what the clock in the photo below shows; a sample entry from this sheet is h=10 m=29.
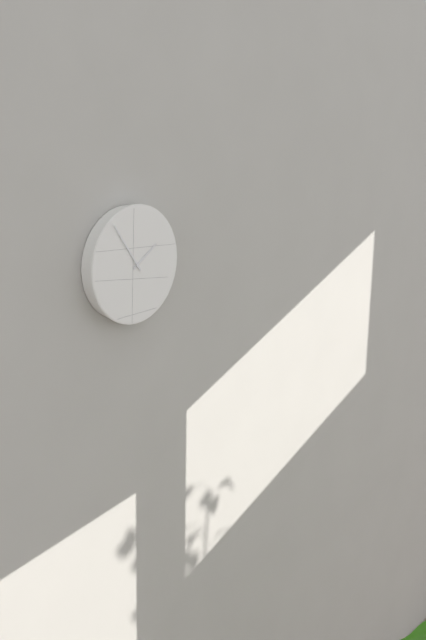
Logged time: h=1 m=54
